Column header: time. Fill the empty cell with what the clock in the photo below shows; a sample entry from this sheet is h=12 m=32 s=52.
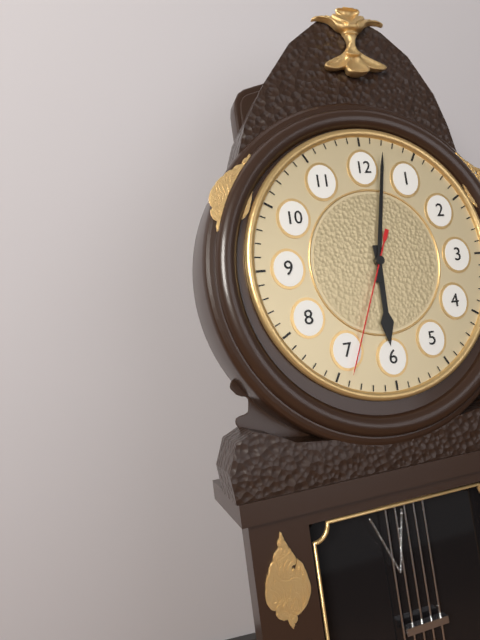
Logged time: h=6 m=2 s=34
